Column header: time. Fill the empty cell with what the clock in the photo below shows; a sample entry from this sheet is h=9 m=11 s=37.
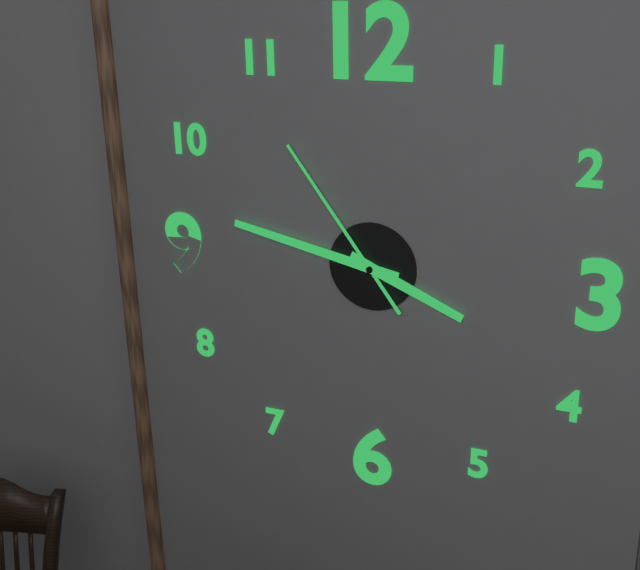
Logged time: h=3 m=47 s=54
